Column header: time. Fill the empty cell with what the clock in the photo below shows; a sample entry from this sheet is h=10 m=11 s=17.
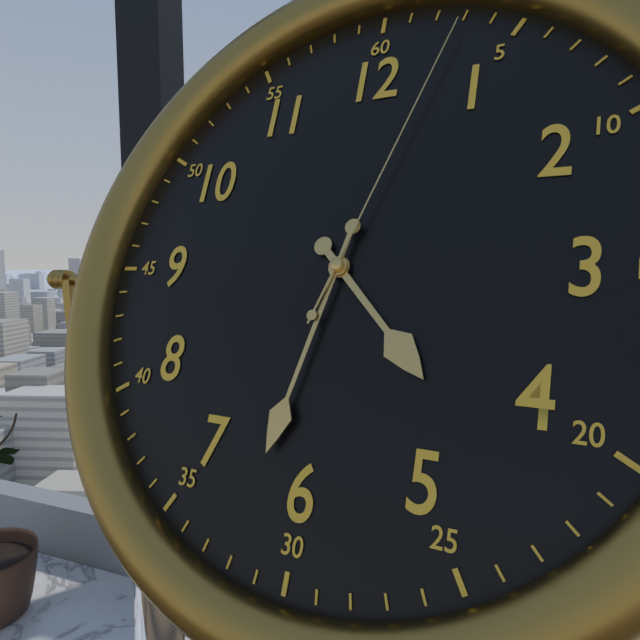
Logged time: h=4 m=32 s=3
